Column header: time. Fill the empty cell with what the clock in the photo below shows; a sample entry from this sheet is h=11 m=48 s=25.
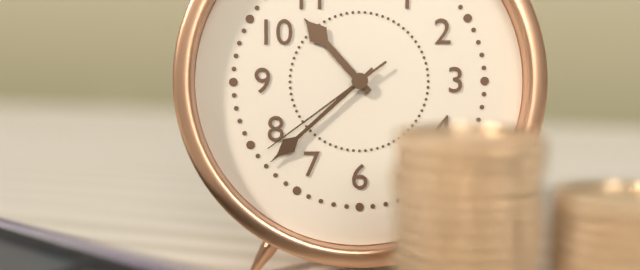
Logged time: h=10 m=38 s=39
